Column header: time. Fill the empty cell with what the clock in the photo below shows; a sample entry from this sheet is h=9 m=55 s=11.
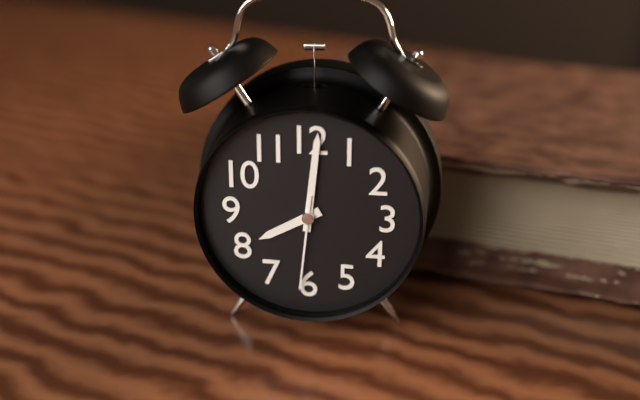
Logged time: h=8 m=1 s=31
